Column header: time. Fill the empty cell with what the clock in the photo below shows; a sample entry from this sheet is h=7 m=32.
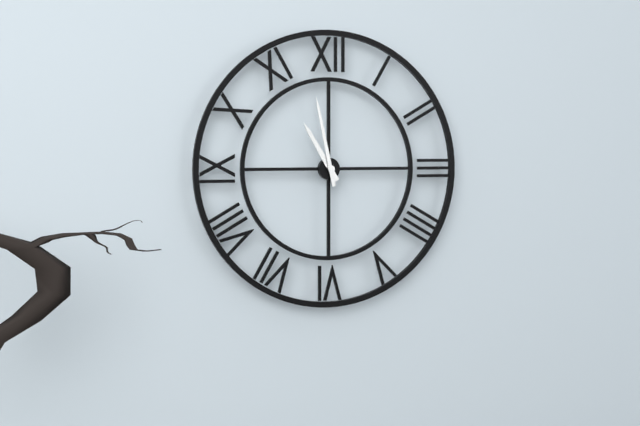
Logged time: h=10 m=58
